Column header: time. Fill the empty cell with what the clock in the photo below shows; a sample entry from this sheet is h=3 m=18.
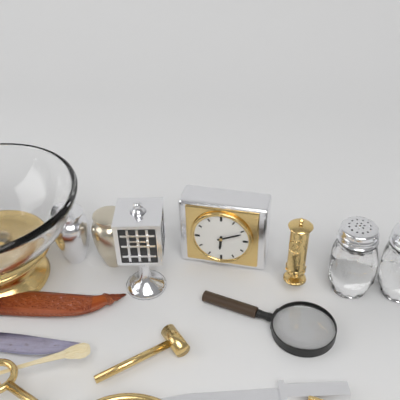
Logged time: h=6 m=11
